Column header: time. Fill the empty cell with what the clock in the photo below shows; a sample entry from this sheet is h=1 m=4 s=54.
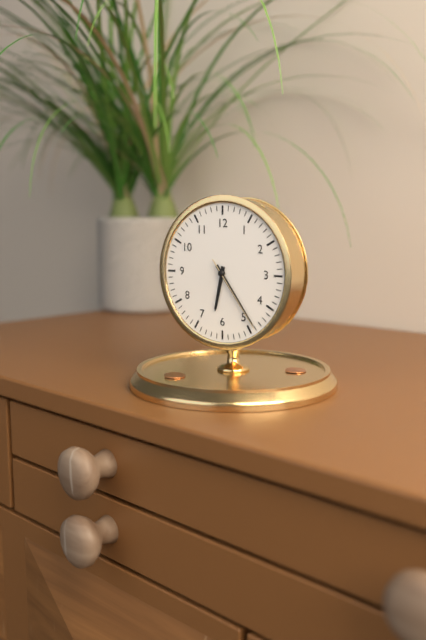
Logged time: h=6 m=24 s=24
